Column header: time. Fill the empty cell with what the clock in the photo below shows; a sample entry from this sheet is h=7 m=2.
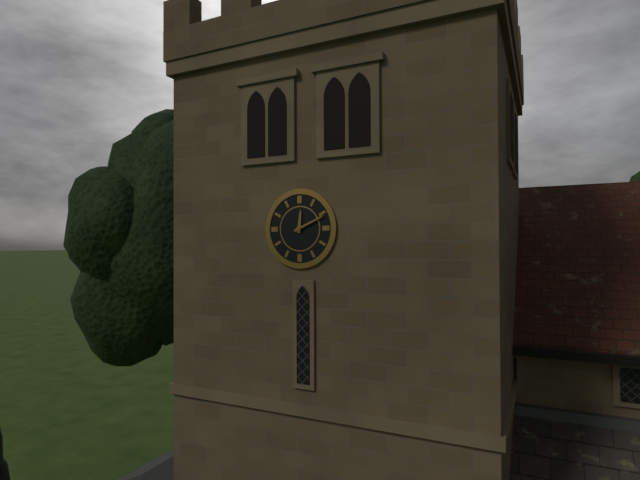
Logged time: h=12 m=11
